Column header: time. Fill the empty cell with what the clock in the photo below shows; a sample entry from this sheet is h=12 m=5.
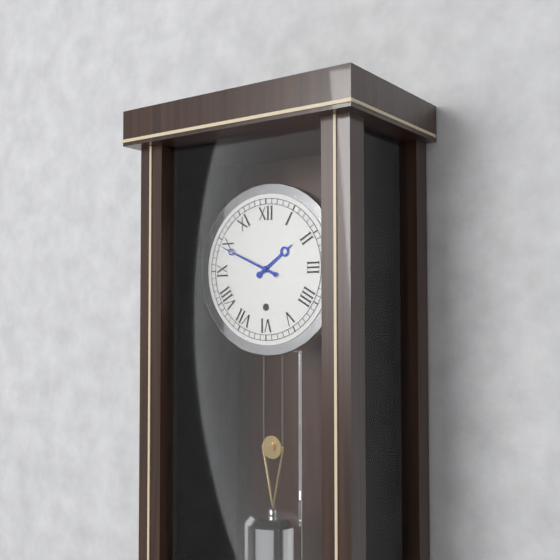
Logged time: h=1 m=49
